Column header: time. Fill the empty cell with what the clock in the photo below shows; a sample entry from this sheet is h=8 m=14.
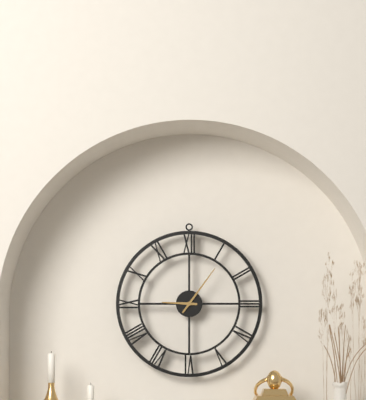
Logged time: h=9 m=6
